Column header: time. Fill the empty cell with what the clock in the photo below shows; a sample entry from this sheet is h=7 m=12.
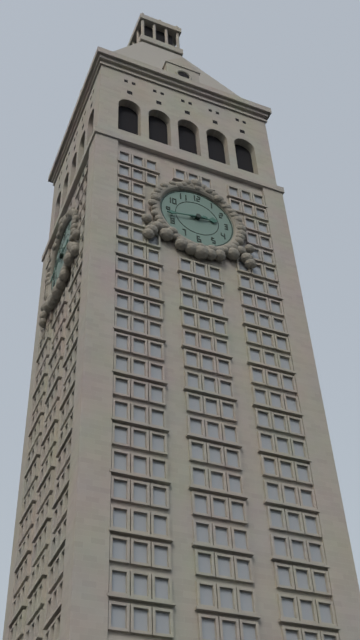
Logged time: h=2 m=43
